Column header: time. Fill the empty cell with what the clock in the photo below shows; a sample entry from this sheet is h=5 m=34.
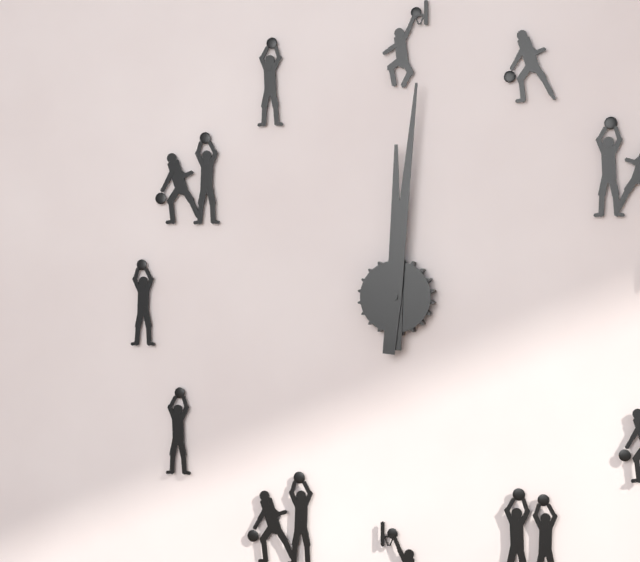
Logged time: h=12 m=1
